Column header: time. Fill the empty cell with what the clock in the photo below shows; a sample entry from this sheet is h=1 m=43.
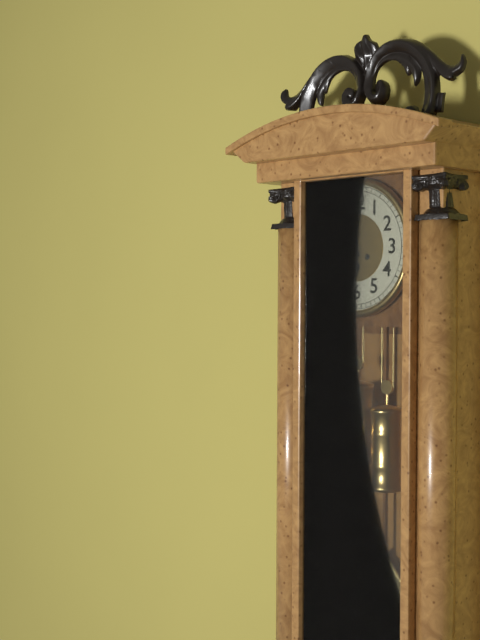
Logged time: h=5 m=55
